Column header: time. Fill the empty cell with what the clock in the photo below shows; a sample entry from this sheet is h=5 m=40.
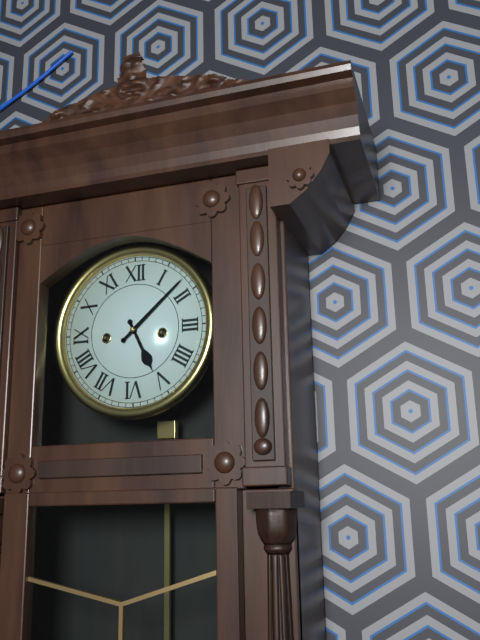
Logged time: h=5 m=8
